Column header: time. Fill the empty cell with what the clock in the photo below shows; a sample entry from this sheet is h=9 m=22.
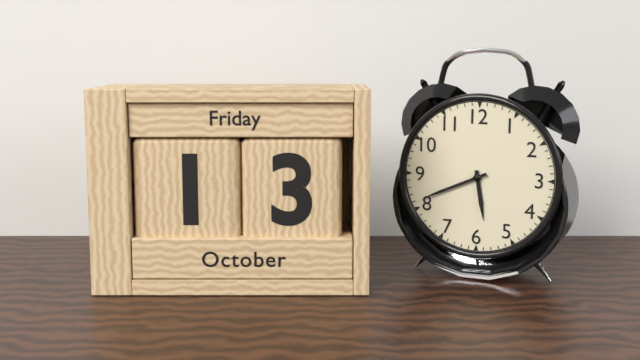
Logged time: h=5 m=41
